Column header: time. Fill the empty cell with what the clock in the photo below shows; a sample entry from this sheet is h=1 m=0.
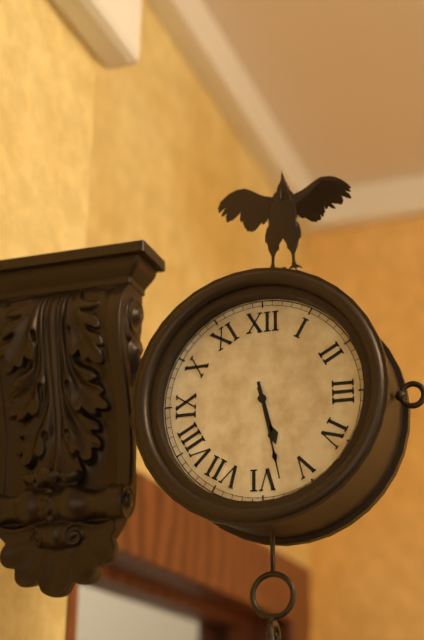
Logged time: h=5 m=28
